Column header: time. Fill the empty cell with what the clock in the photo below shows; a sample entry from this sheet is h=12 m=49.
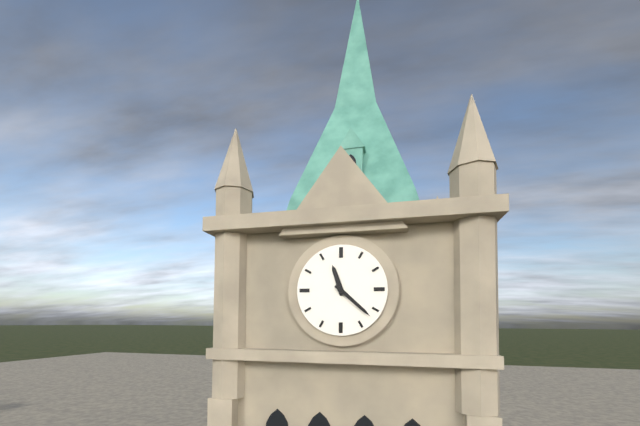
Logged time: h=11 m=22
